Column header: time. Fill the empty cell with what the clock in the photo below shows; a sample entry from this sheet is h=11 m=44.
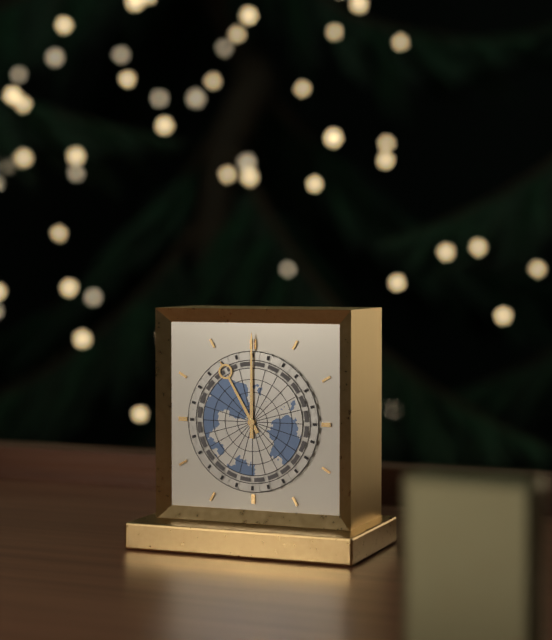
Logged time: h=11 m=0
